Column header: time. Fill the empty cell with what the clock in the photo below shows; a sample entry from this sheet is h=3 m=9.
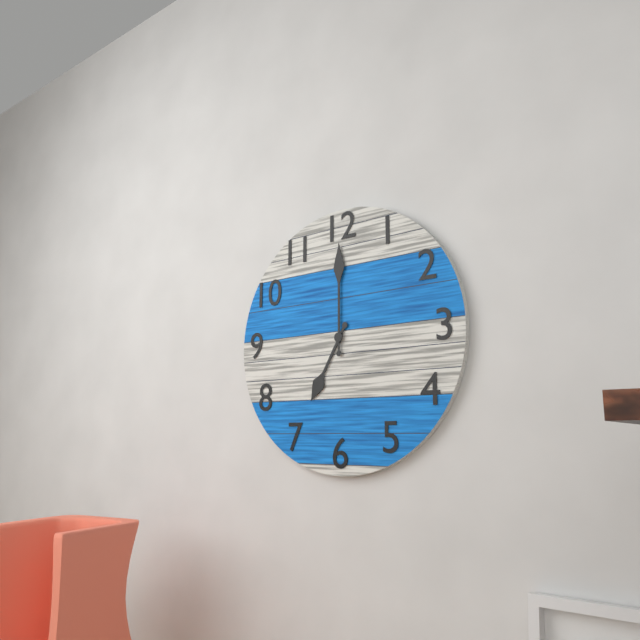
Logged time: h=7 m=0
